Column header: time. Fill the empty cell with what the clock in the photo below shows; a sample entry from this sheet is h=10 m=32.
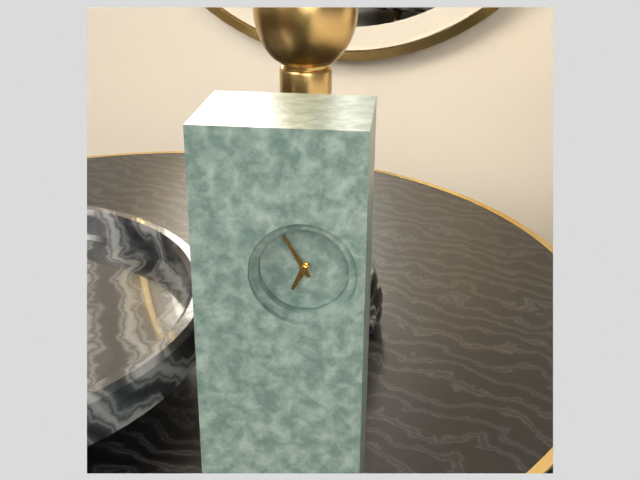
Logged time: h=6 m=55
